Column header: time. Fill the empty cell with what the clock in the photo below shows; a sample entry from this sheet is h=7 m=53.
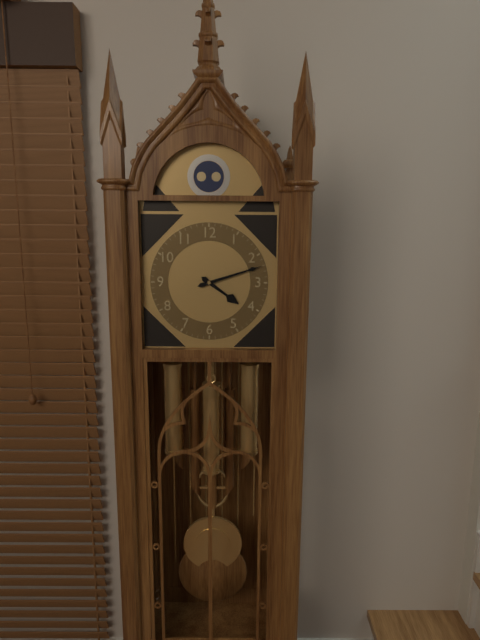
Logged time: h=4 m=12
